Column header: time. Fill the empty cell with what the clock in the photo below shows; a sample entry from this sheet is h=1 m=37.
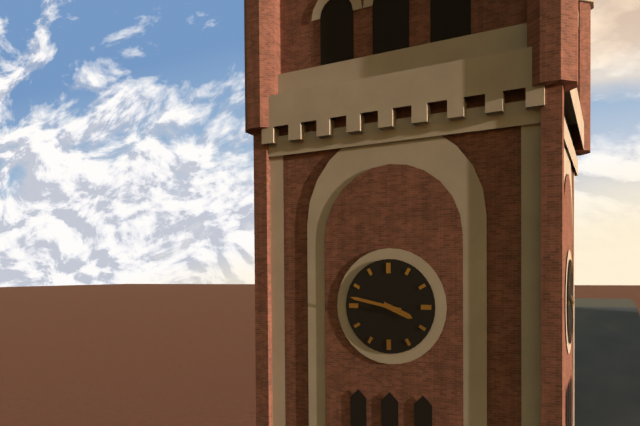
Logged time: h=3 m=47
